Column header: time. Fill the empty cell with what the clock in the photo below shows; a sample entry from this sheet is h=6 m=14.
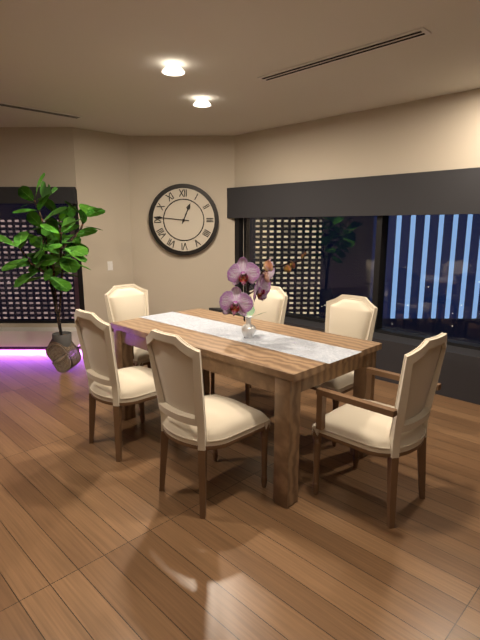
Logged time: h=12 m=46
